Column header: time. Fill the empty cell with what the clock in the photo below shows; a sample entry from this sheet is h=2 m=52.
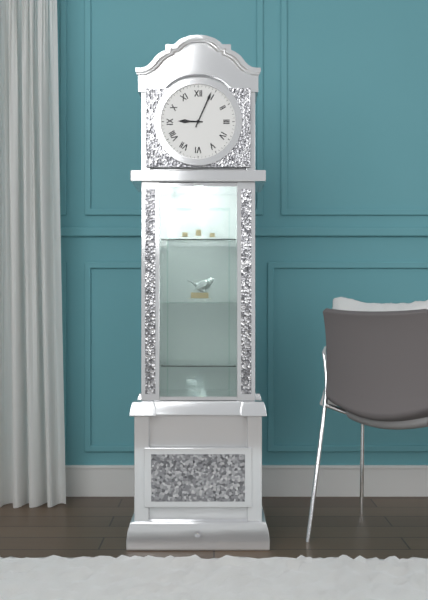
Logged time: h=9 m=4
